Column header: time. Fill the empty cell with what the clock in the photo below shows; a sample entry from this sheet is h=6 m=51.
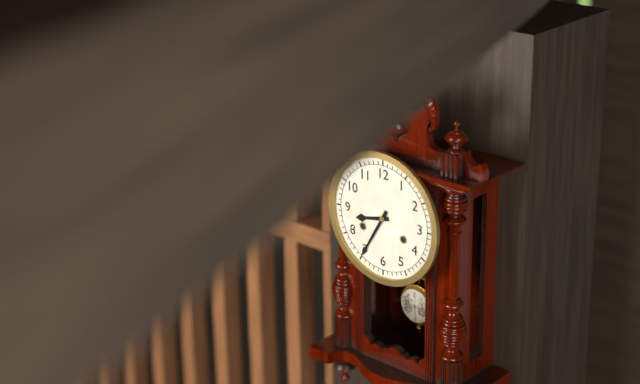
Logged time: h=8 m=35
